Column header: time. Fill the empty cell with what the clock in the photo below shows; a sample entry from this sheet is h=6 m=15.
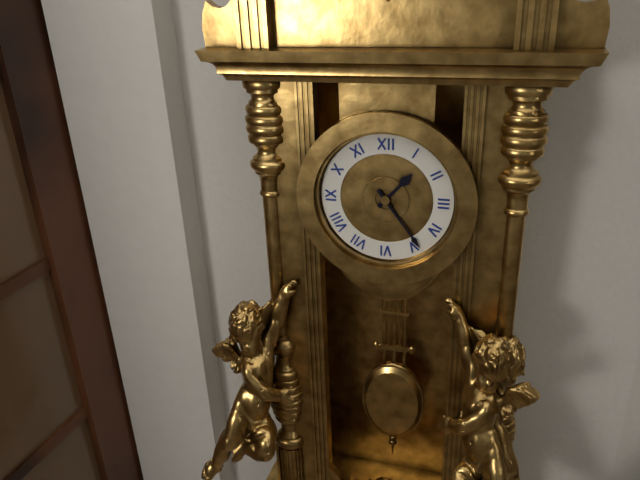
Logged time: h=1 m=24
